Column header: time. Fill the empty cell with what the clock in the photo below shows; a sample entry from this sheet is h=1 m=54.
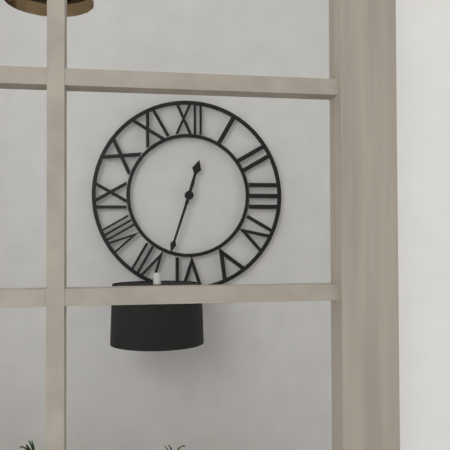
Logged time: h=12 m=33
